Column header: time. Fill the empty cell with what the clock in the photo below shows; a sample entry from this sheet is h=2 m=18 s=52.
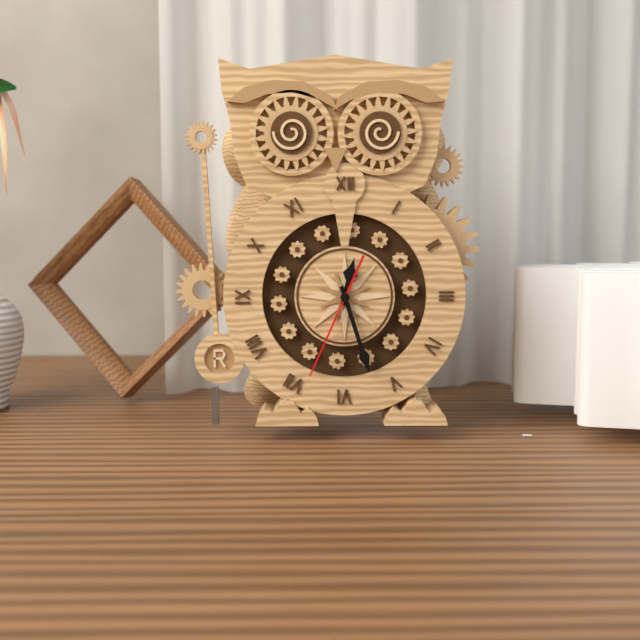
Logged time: h=12 m=27 s=34
